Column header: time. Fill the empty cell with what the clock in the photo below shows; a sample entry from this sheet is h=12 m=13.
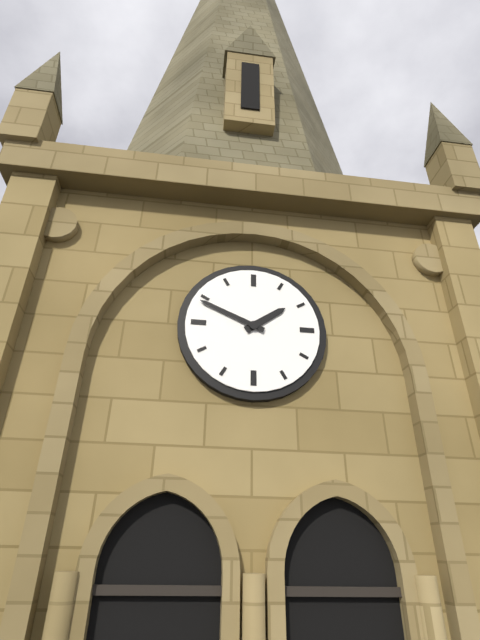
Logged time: h=1 m=49
